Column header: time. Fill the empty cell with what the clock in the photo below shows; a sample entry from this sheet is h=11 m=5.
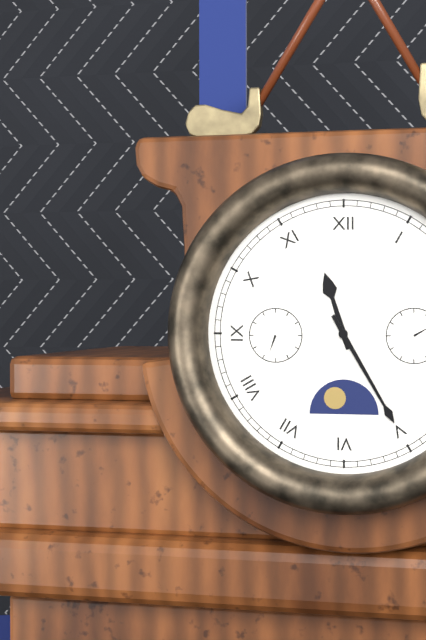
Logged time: h=11 m=25
